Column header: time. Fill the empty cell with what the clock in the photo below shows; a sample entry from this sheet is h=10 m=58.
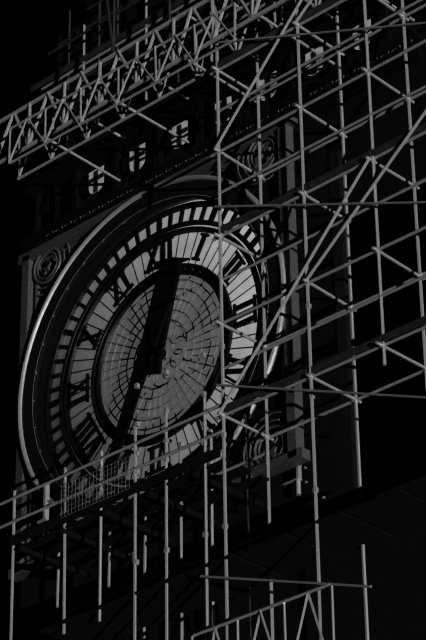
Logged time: h=12 m=34
